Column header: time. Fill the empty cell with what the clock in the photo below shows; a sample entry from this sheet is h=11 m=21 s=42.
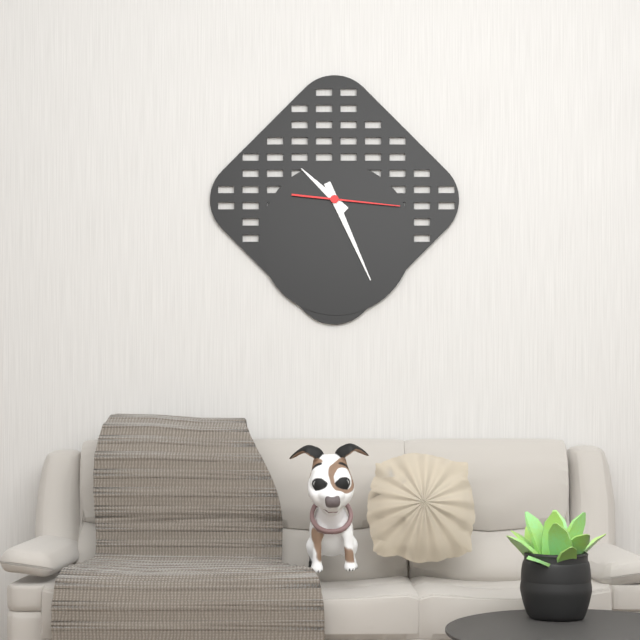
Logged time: h=10 m=26 s=16
